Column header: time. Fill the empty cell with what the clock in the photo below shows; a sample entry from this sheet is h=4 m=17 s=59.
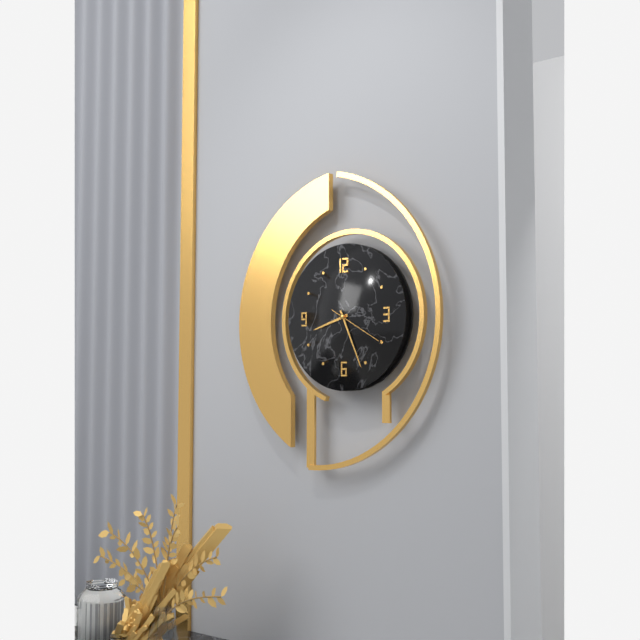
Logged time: h=8 m=26 s=20
